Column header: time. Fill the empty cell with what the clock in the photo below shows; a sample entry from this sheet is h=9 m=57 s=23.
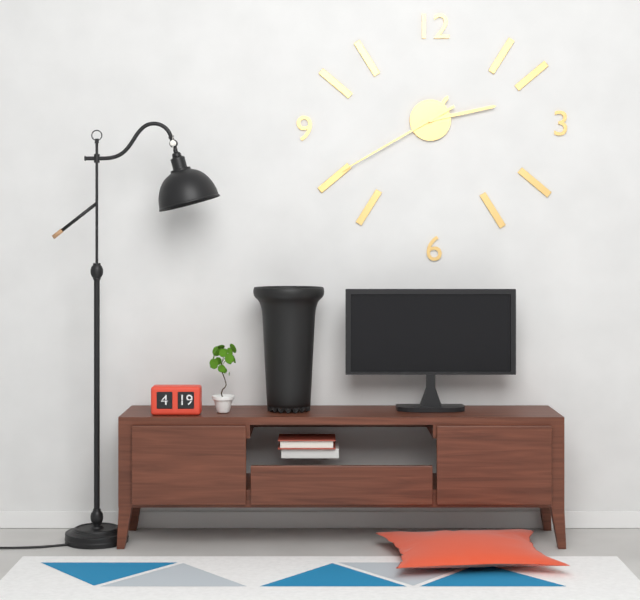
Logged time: h=1 m=13 s=40
